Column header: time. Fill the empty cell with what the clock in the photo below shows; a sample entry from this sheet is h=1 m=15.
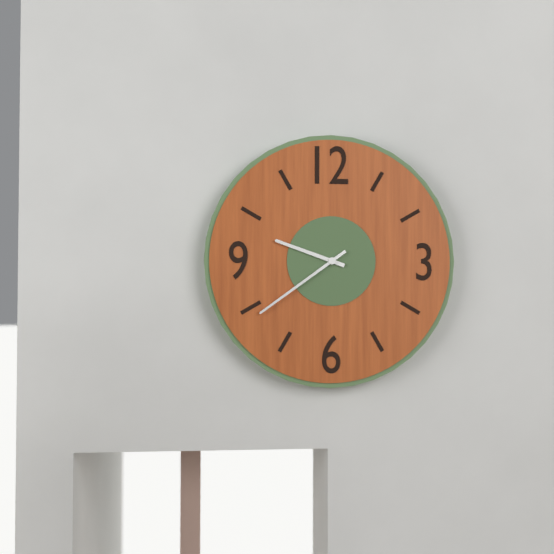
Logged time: h=9 m=39
